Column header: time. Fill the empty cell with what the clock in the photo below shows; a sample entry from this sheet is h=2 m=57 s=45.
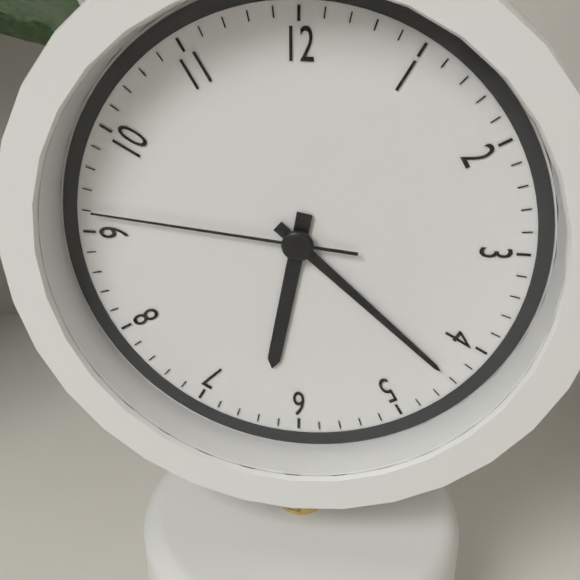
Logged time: h=6 m=22 s=46
